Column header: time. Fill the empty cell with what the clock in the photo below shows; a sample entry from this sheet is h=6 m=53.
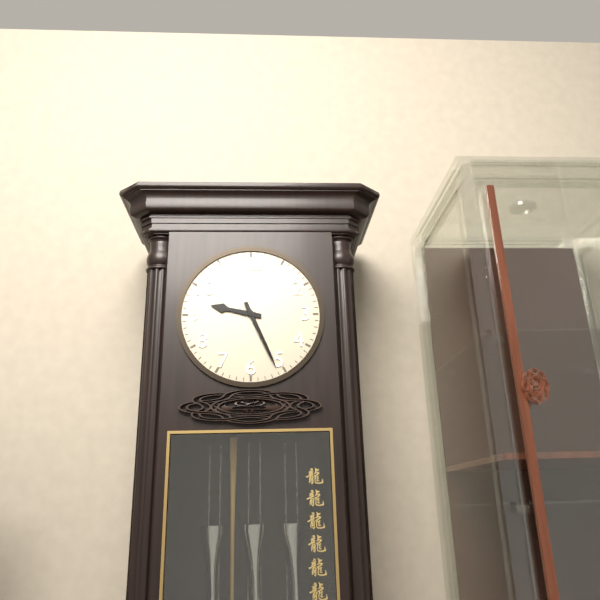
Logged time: h=9 m=26
